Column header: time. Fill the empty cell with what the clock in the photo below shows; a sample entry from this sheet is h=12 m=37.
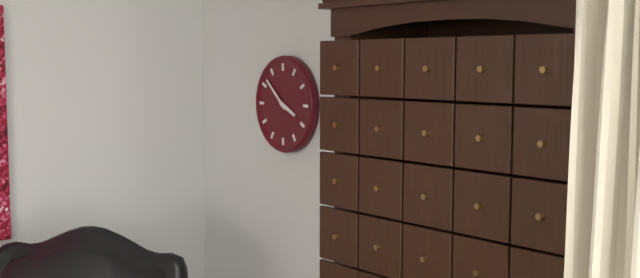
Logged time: h=3 m=52
